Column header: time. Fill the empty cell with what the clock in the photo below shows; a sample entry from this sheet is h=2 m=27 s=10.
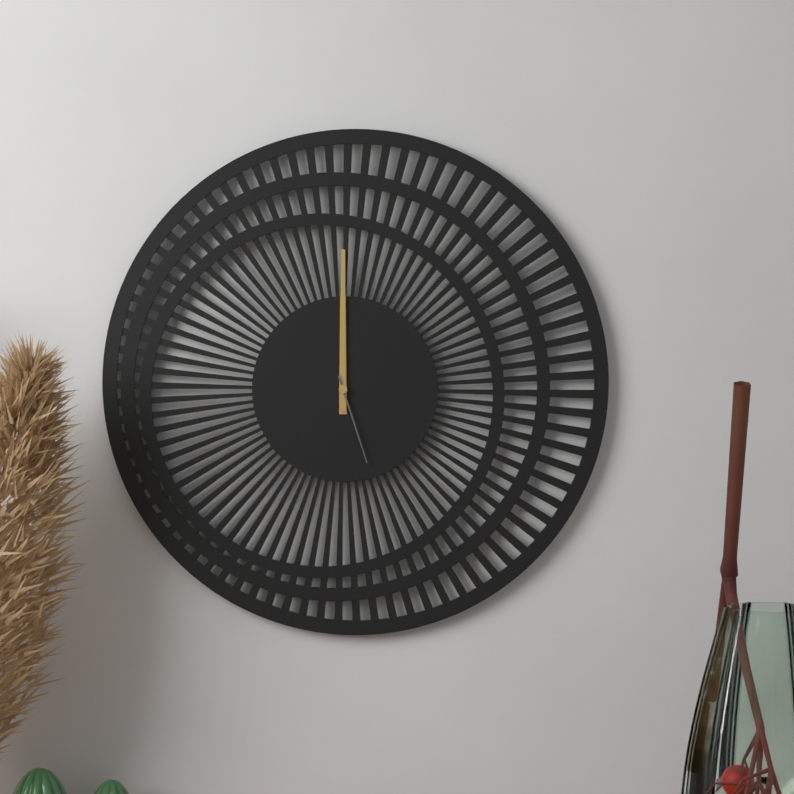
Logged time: h=12 m=0 s=27
